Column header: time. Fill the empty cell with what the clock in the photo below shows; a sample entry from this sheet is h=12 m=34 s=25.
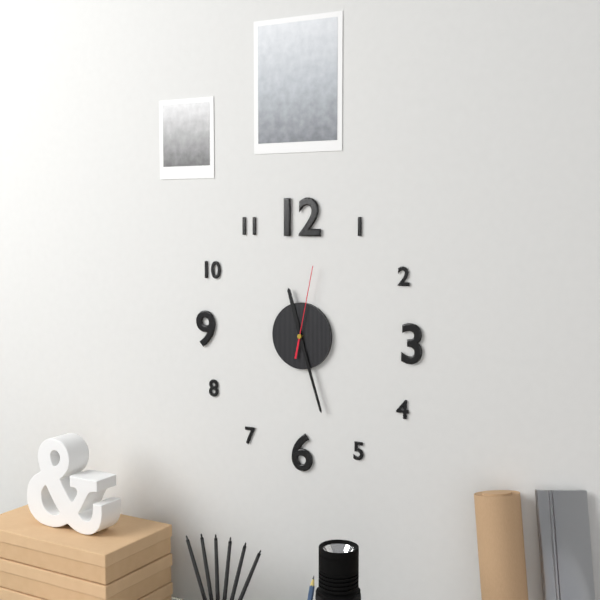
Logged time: h=11 m=27 s=2
